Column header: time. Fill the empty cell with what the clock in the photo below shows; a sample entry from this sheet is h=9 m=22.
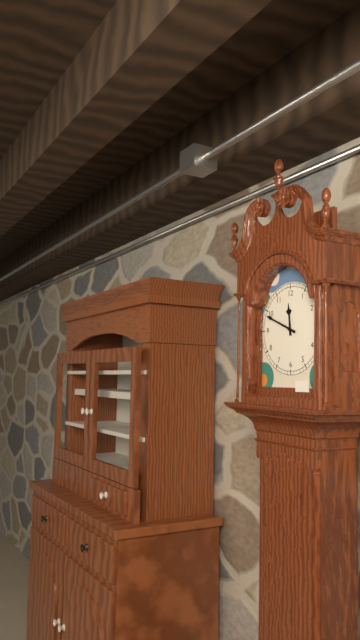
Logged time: h=11 m=49
